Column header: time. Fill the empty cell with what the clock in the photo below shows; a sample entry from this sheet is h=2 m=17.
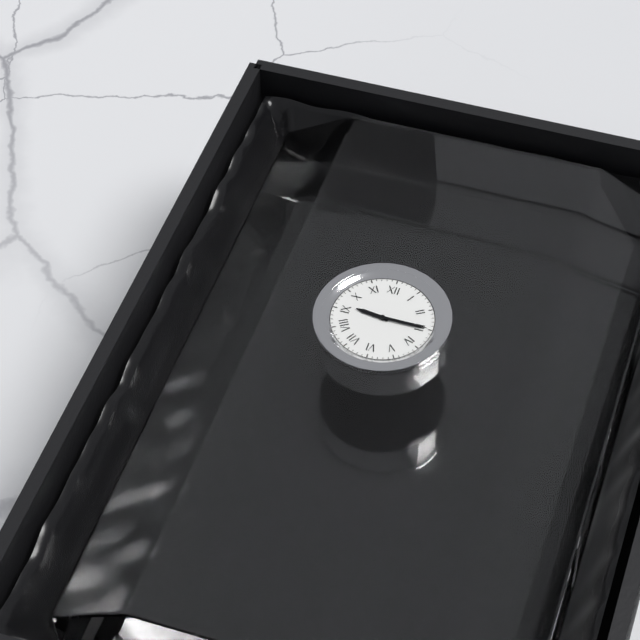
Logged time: h=9 m=15
